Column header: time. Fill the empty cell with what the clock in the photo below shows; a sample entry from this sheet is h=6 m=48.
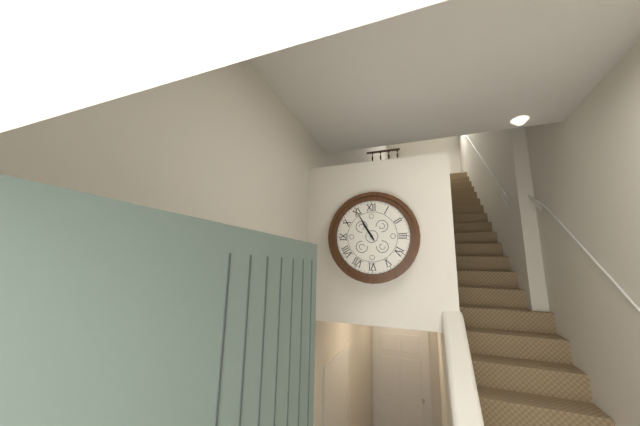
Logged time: h=10 m=55
